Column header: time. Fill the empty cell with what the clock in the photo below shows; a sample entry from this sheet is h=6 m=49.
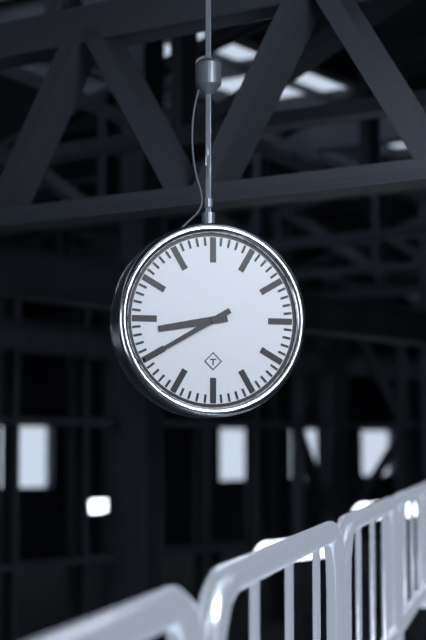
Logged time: h=8 m=40
